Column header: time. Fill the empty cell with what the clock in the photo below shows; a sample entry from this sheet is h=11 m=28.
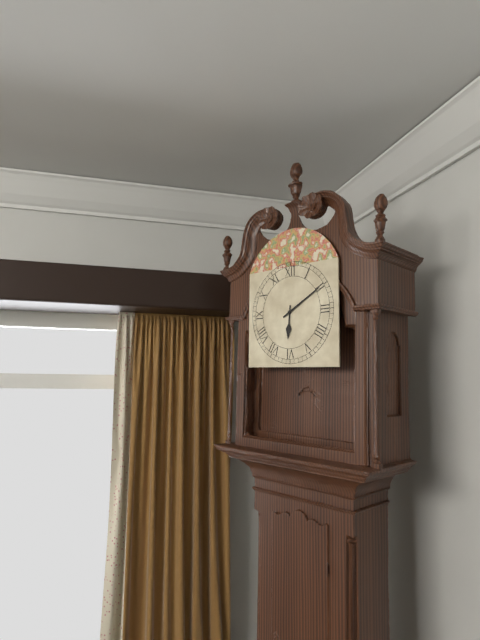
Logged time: h=6 m=10
